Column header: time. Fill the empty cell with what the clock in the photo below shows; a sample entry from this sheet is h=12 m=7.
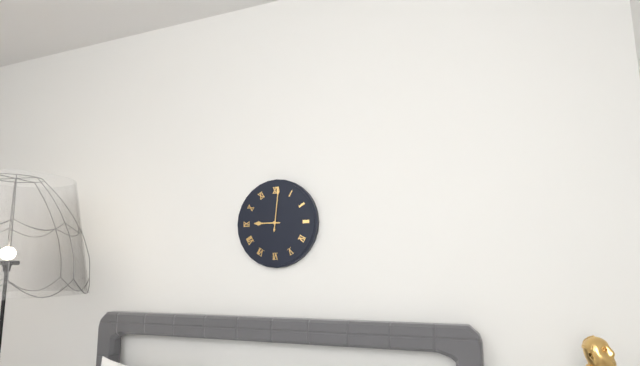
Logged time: h=9 m=1
